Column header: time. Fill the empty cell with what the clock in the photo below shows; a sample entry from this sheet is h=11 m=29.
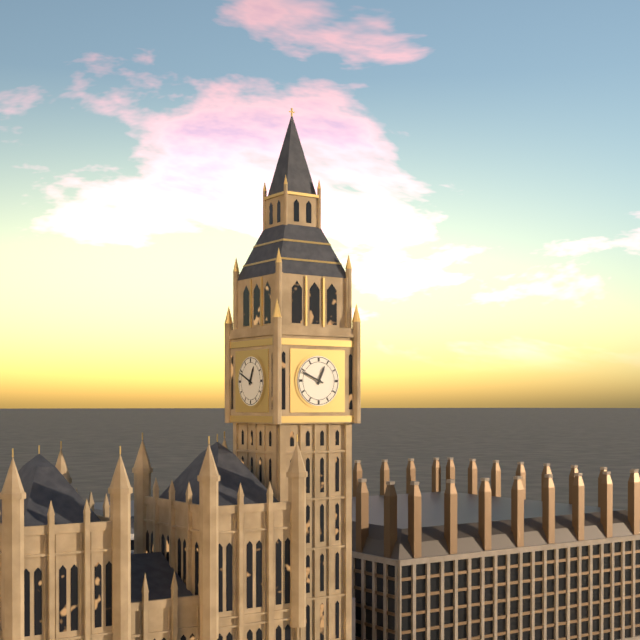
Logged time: h=12 m=49
